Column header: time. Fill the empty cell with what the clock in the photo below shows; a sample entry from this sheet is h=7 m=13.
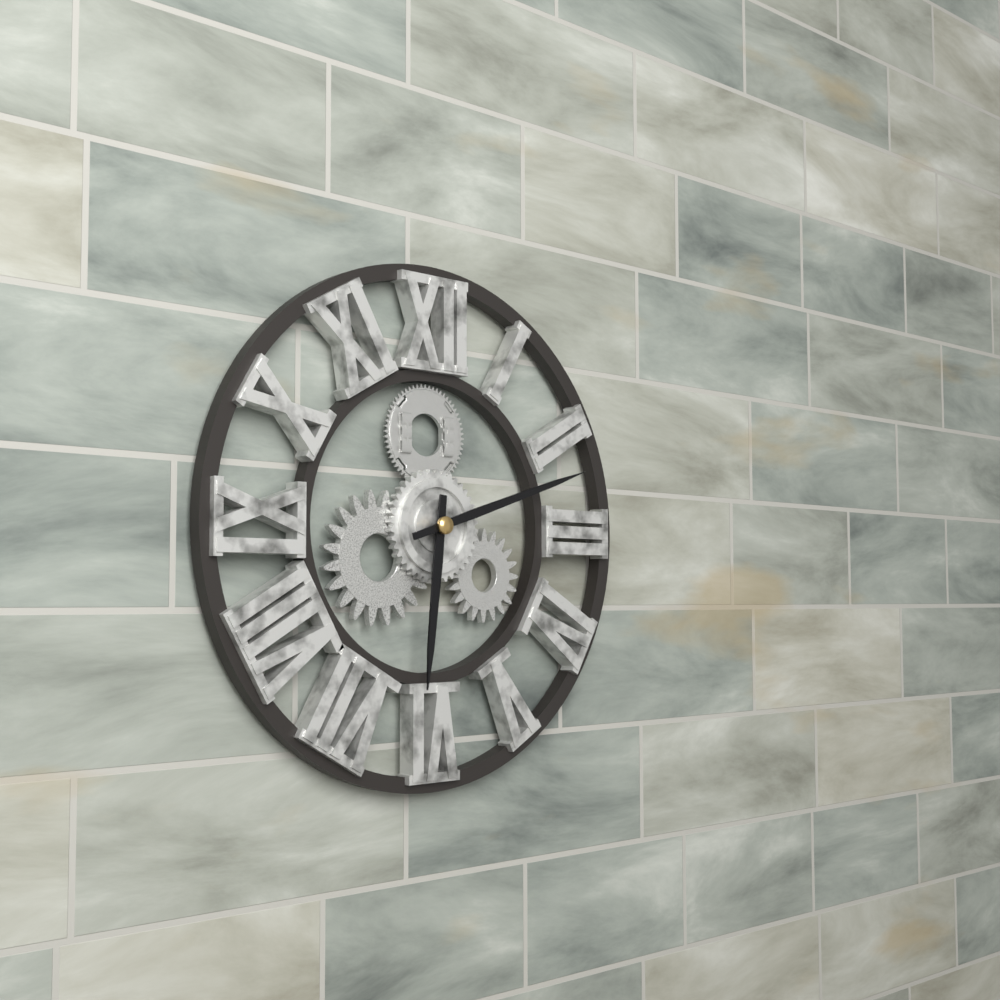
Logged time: h=6 m=12
